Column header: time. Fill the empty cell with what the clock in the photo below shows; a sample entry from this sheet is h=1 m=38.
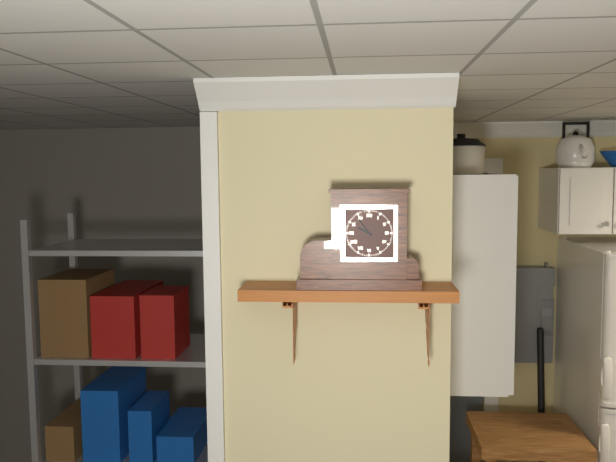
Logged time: h=9 m=54
